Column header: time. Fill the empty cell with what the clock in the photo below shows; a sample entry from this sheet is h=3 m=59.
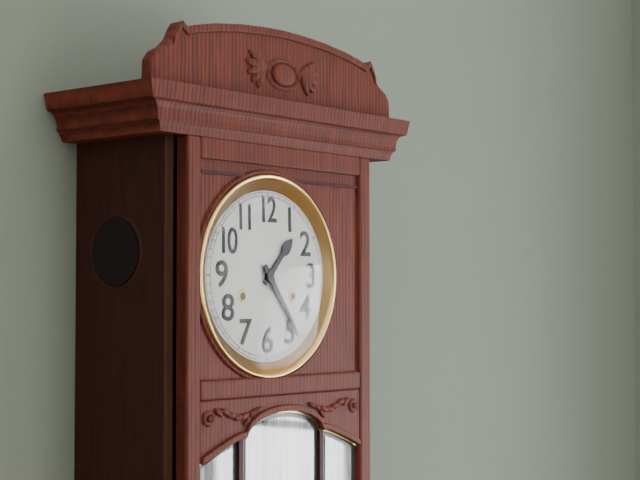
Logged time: h=1 m=24
